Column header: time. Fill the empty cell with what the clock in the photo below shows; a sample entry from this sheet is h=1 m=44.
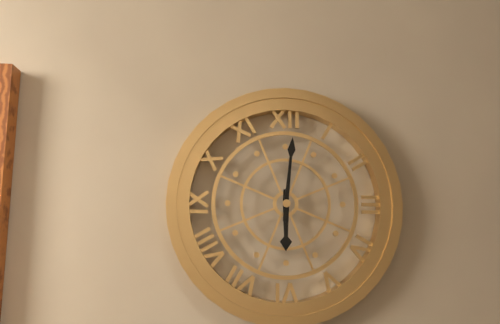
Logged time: h=6 m=1
